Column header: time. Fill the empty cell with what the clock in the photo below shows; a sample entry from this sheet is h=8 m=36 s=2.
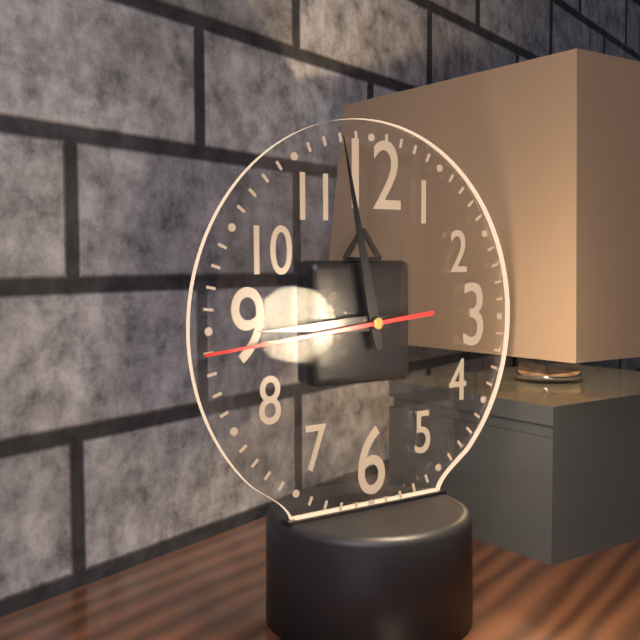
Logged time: h=8 m=58 s=44
